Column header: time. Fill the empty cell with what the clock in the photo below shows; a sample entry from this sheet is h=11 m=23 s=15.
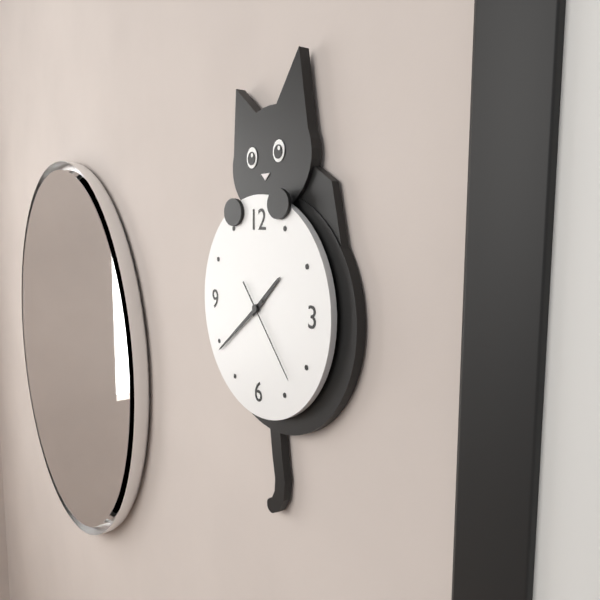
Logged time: h=1 m=39 s=23
